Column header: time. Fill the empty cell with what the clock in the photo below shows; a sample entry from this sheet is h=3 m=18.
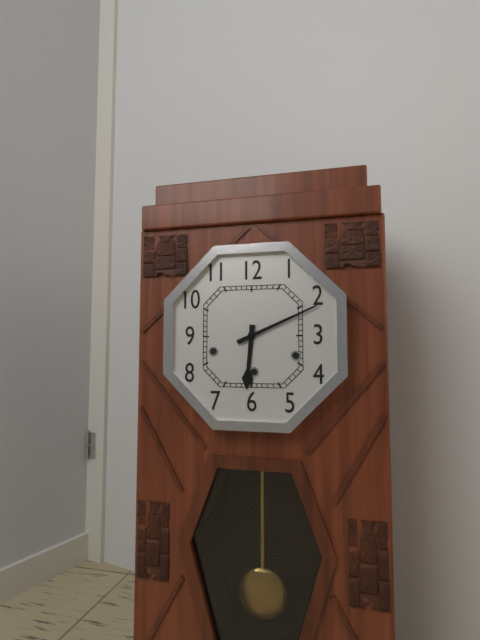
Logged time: h=6 m=11
